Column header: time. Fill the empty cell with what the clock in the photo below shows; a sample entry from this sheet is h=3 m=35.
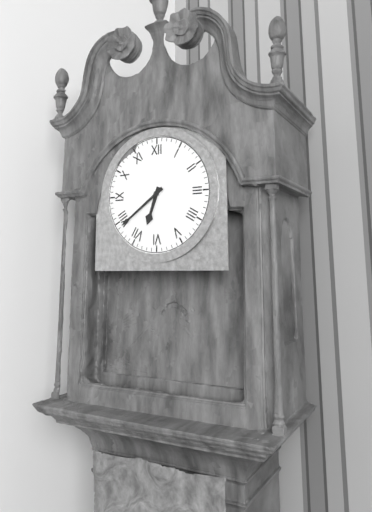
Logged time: h=6 m=39
